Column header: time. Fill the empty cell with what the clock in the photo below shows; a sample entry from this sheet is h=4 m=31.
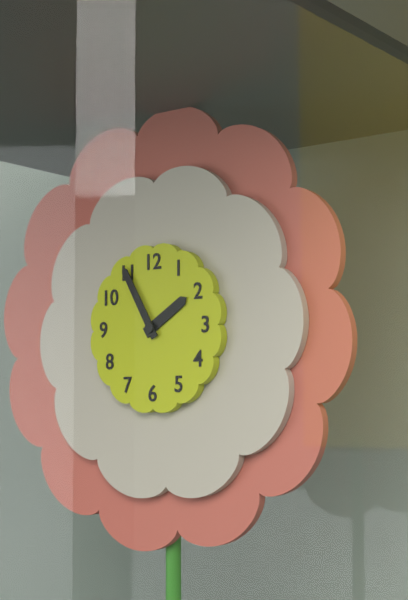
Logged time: h=1 m=55
